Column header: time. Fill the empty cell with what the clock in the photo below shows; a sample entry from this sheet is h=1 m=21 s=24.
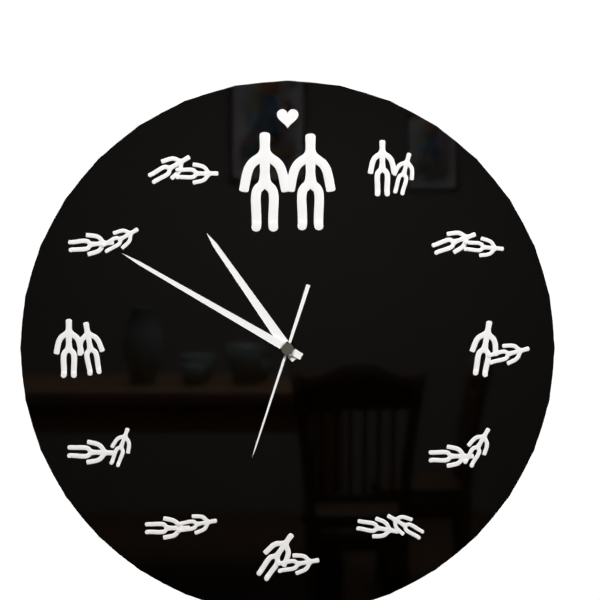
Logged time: h=10 m=50 s=33
